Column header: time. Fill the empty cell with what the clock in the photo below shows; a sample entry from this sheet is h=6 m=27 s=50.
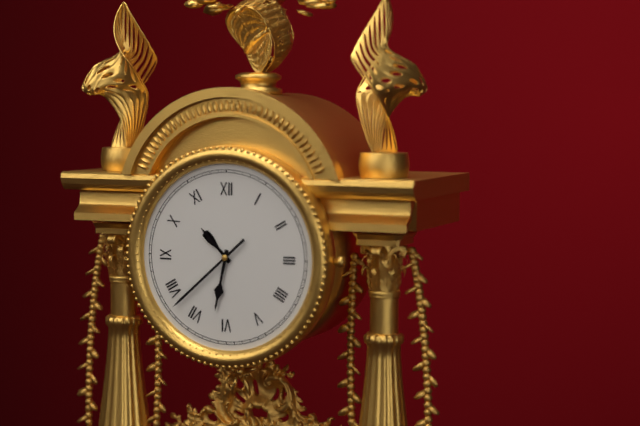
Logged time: h=10 m=32 s=38
